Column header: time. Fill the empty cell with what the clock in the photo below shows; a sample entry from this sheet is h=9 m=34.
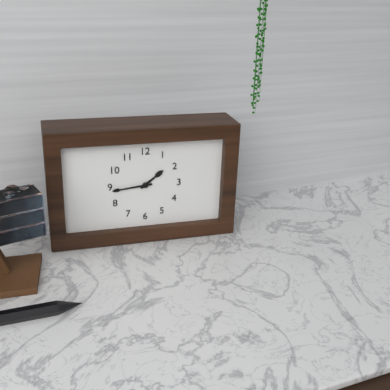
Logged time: h=1 m=44
